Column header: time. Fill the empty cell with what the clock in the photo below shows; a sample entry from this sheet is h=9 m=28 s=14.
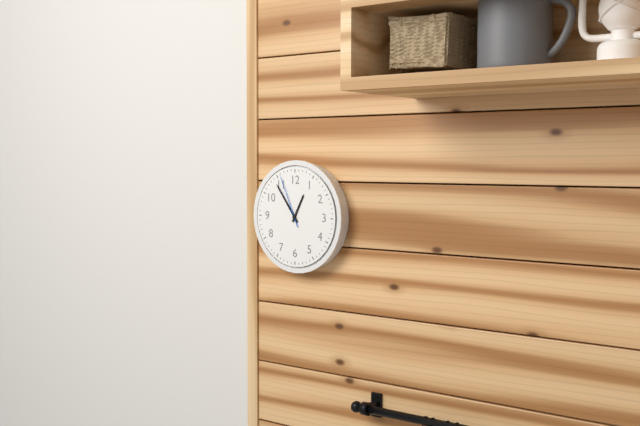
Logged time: h=12 m=54 s=56
